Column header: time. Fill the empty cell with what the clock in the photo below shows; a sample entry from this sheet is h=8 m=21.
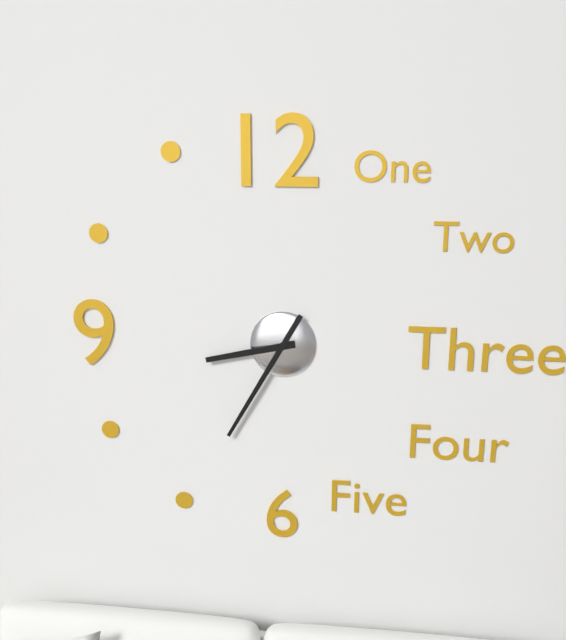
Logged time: h=8 m=35
